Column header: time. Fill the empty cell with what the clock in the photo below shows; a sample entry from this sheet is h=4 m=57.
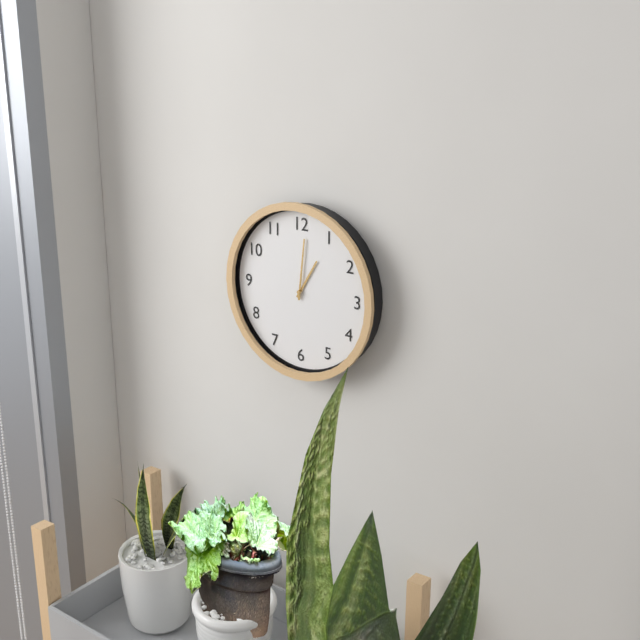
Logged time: h=1 m=1
